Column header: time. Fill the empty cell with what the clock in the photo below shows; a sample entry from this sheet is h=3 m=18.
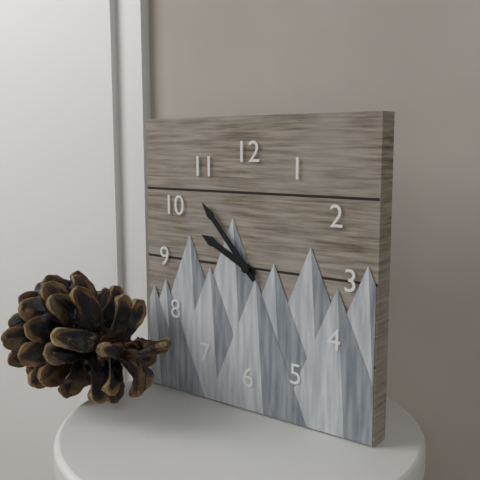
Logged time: h=9 m=53
